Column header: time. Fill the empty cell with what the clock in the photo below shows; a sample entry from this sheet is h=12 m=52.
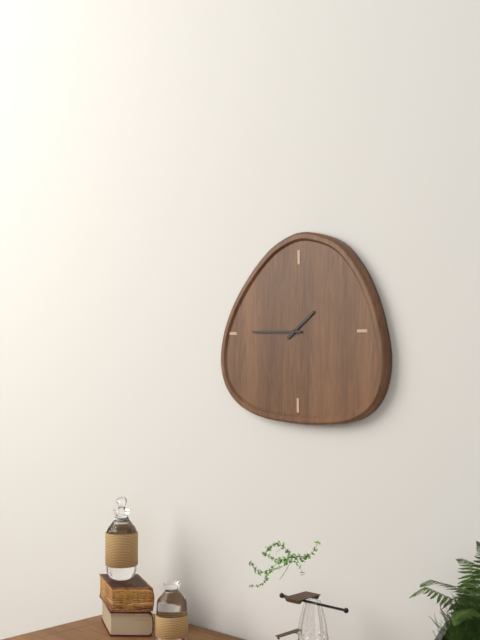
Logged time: h=1 m=45
